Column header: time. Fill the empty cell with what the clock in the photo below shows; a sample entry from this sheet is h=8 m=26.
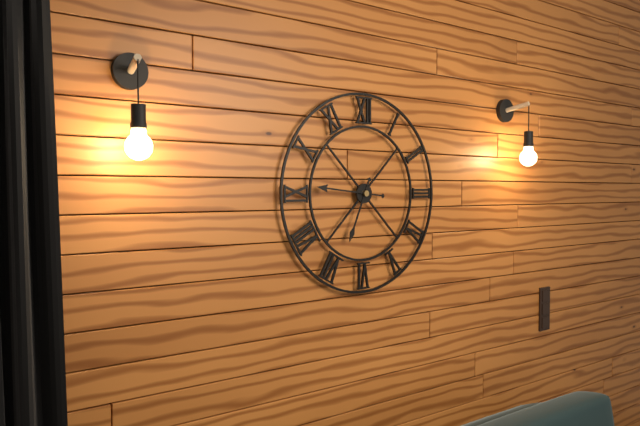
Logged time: h=6 m=46
